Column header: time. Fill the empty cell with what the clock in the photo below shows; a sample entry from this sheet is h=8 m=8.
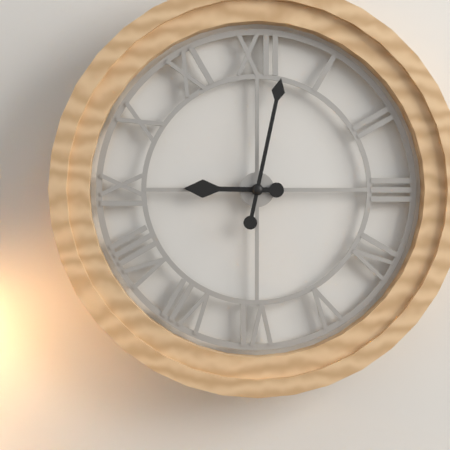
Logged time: h=9 m=2
